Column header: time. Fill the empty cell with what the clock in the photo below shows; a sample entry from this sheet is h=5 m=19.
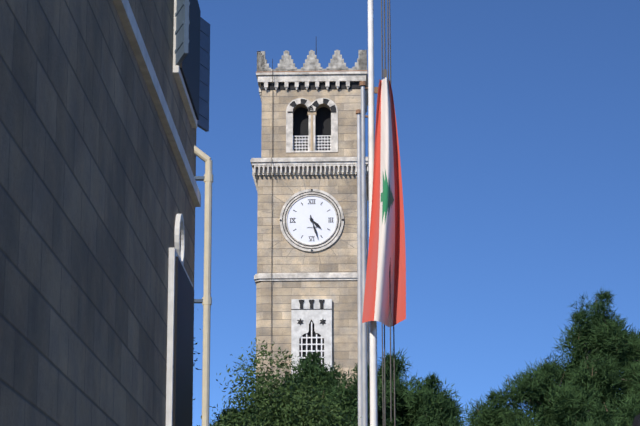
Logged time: h=4 m=27
